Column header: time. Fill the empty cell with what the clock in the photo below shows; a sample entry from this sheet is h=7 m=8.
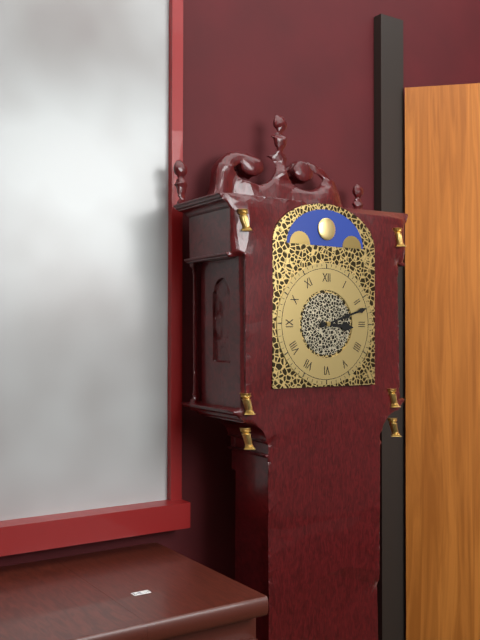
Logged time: h=3 m=12
